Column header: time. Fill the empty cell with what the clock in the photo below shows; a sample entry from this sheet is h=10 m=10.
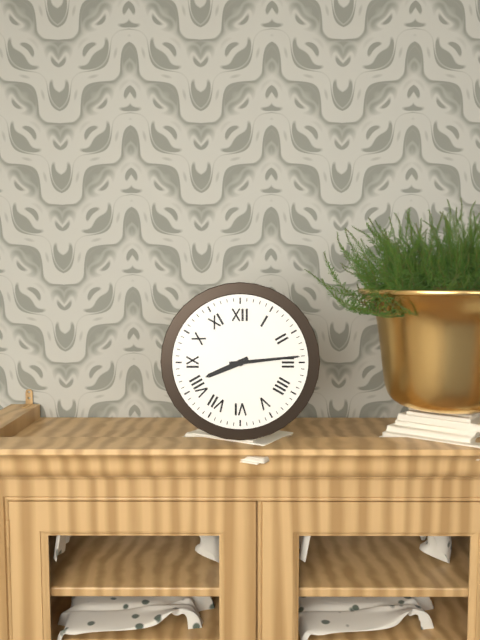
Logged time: h=8 m=14
